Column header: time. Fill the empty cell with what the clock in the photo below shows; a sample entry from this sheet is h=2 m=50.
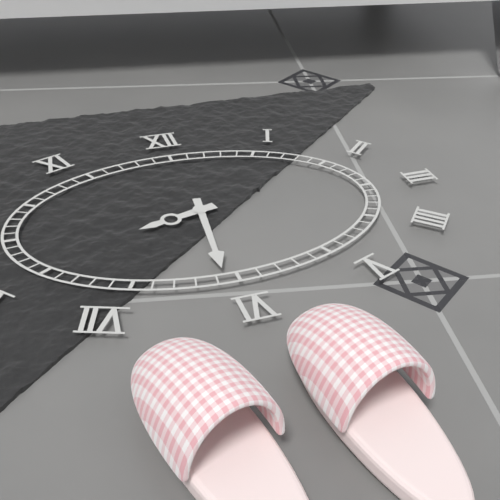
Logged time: h=8 m=31
